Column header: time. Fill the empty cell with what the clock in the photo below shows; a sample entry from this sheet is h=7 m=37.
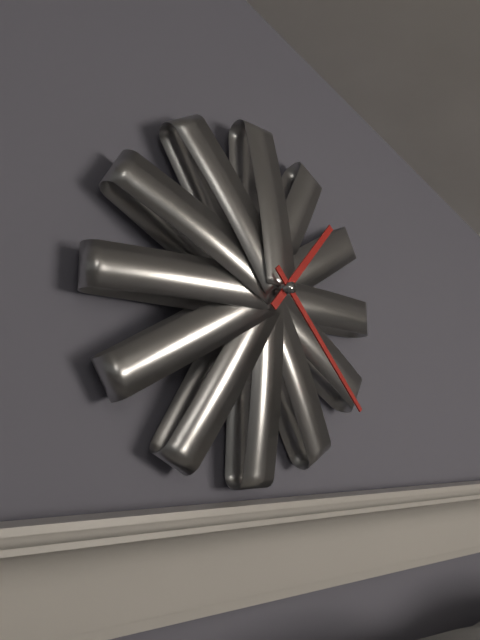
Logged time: h=1 m=23
